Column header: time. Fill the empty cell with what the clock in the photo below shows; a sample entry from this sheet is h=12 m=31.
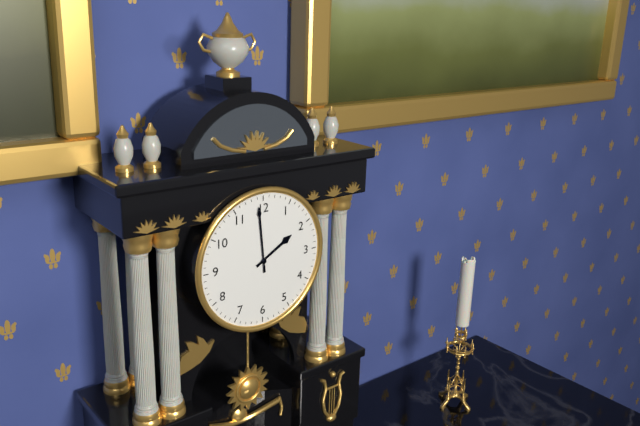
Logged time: h=1 m=59
